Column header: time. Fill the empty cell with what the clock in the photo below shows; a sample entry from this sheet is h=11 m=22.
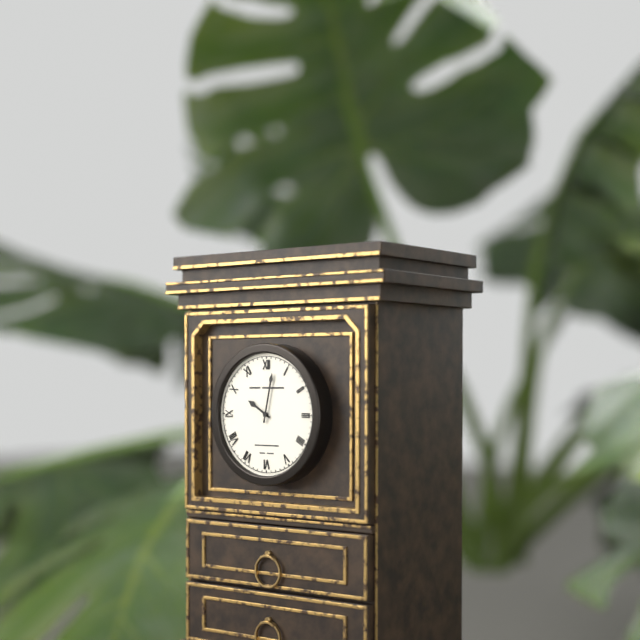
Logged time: h=10 m=2
